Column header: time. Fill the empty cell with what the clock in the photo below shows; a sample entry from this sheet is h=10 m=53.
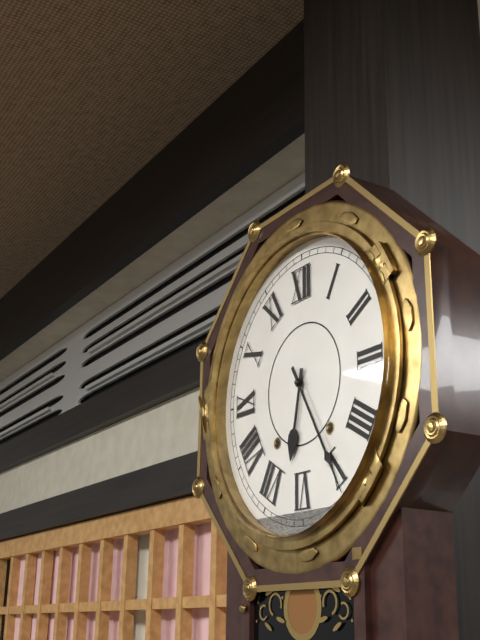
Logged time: h=6 m=25
